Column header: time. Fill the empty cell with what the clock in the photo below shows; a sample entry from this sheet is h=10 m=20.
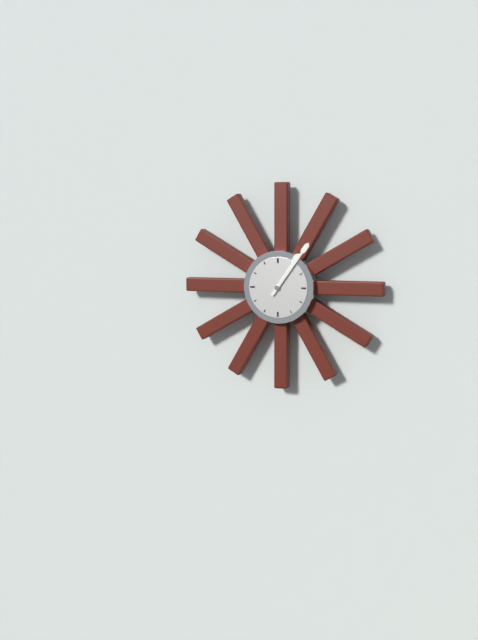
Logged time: h=1 m=6
